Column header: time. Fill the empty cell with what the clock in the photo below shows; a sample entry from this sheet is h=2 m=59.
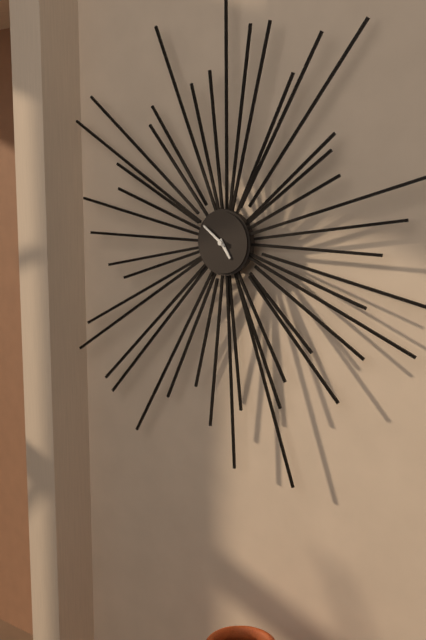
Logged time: h=4 m=51
